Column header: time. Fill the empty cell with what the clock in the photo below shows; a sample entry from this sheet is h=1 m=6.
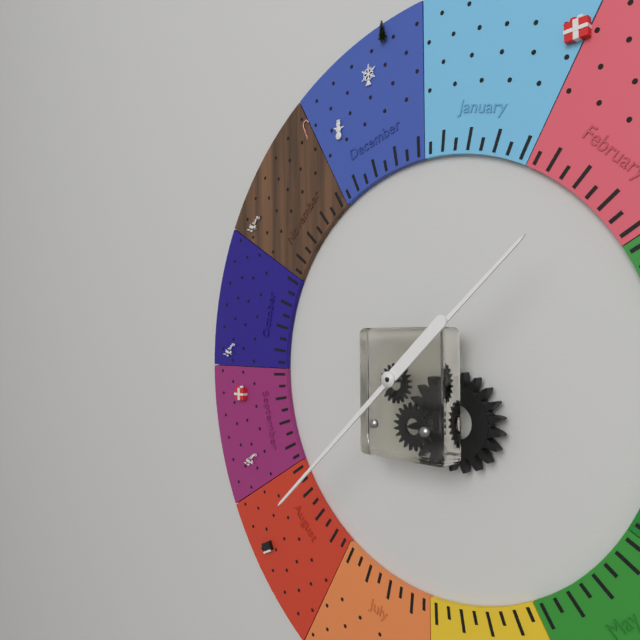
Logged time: h=1 m=38
